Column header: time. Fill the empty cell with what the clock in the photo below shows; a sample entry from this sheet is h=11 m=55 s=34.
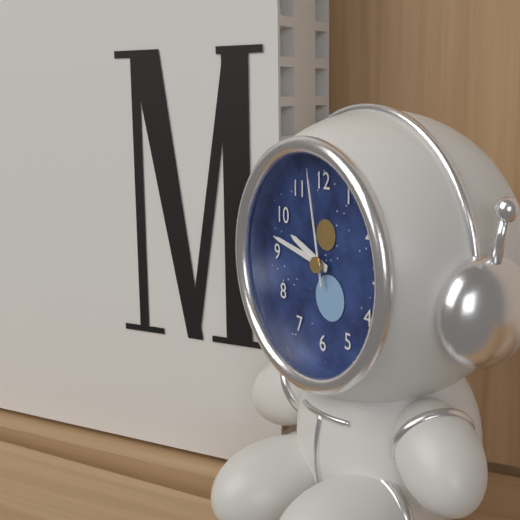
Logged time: h=9 m=47 s=58
